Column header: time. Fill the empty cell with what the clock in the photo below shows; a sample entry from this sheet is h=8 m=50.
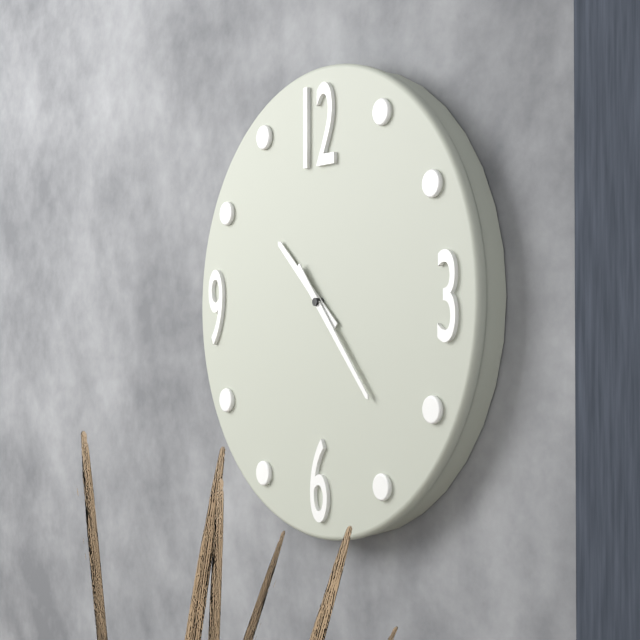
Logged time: h=10 m=23
